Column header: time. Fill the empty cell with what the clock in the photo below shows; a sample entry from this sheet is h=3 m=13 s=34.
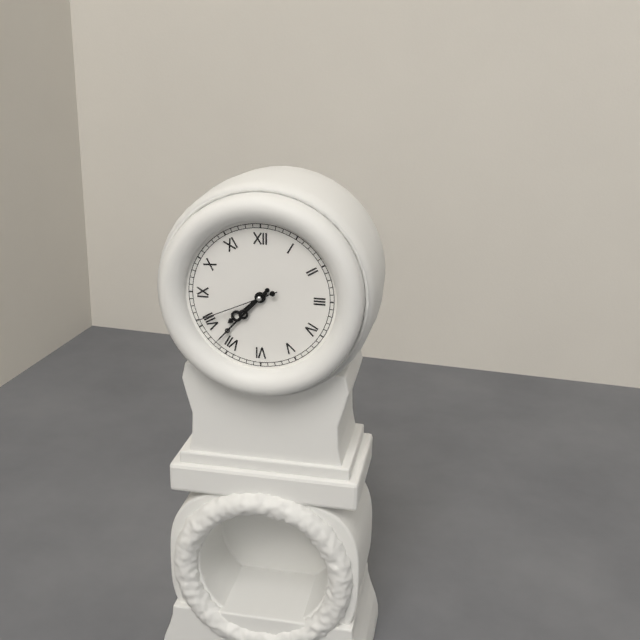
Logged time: h=7 m=37 s=41
